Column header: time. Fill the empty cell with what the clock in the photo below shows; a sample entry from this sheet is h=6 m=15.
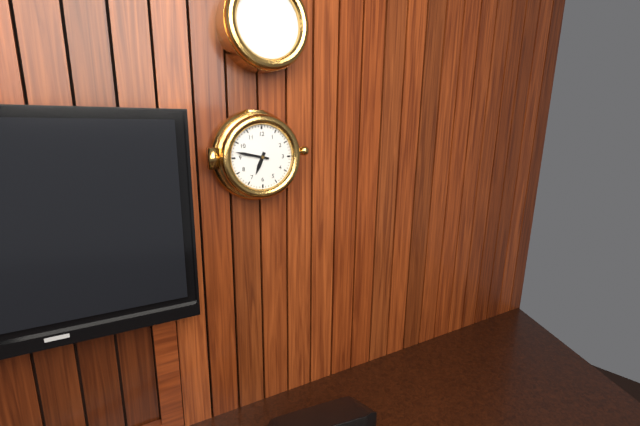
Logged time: h=6 m=47
